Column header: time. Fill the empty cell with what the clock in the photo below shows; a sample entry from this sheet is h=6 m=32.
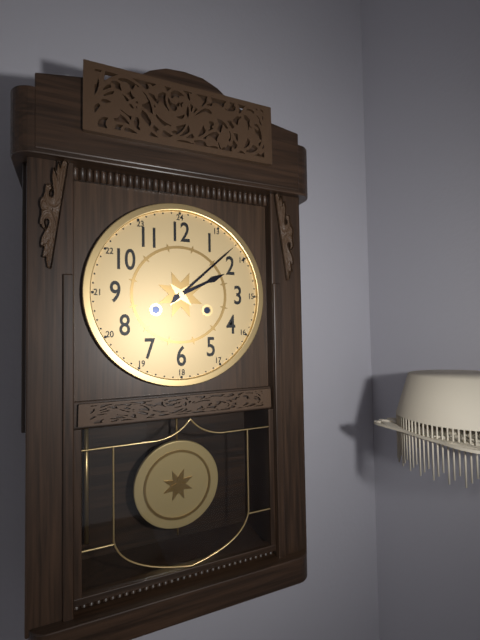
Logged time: h=2 m=8
